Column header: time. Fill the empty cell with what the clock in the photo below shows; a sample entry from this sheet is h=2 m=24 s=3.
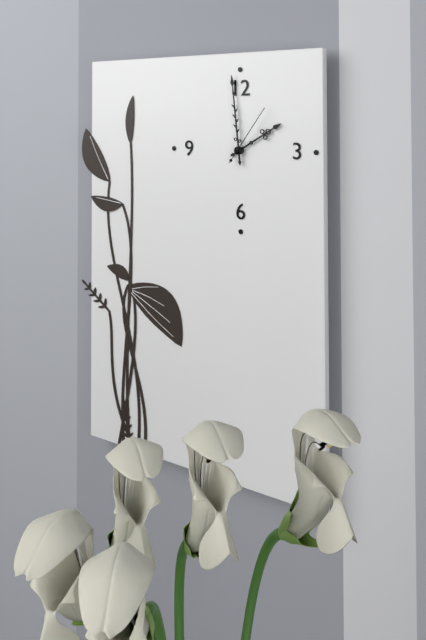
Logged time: h=1 m=59 s=6
